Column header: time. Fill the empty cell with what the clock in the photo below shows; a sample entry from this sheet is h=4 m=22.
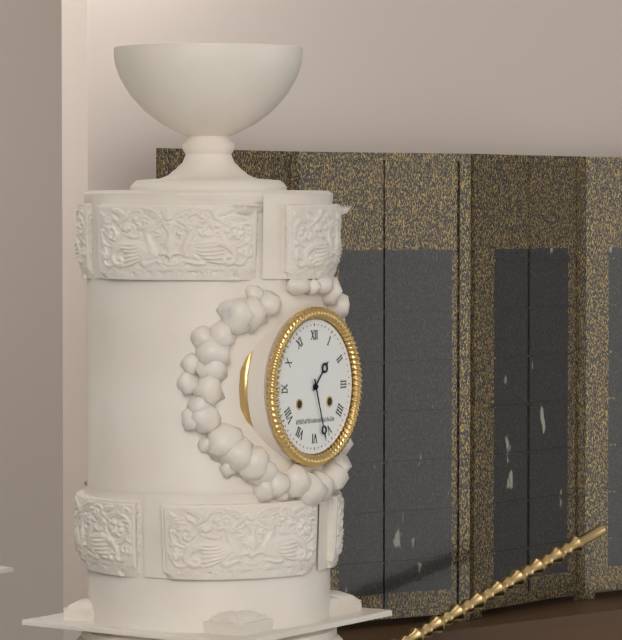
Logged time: h=1 m=27
